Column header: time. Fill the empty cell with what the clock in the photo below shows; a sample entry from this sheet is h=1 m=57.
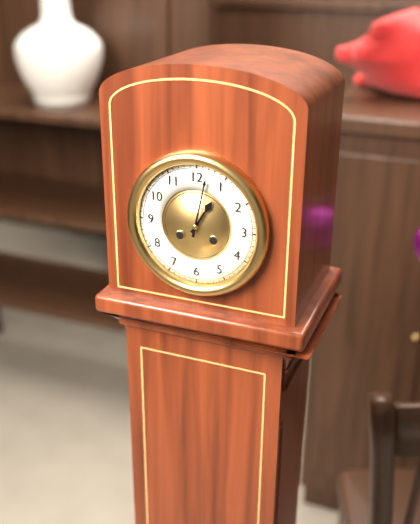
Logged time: h=1 m=2
